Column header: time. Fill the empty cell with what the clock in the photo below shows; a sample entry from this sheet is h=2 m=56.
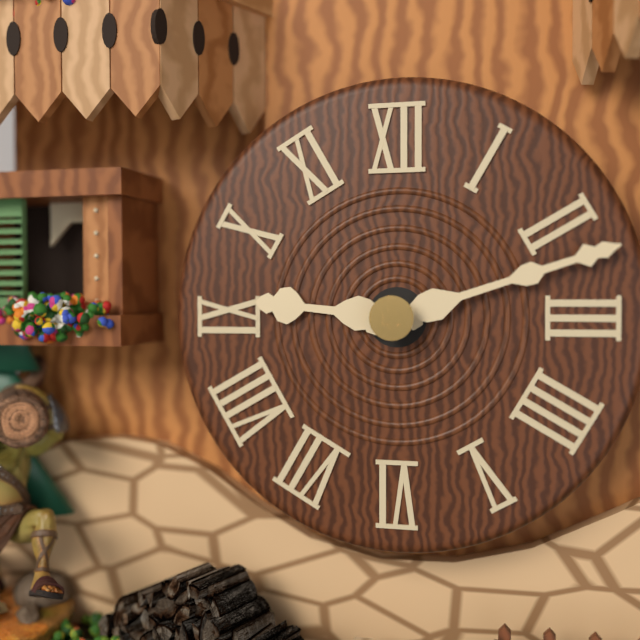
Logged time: h=9 m=12
